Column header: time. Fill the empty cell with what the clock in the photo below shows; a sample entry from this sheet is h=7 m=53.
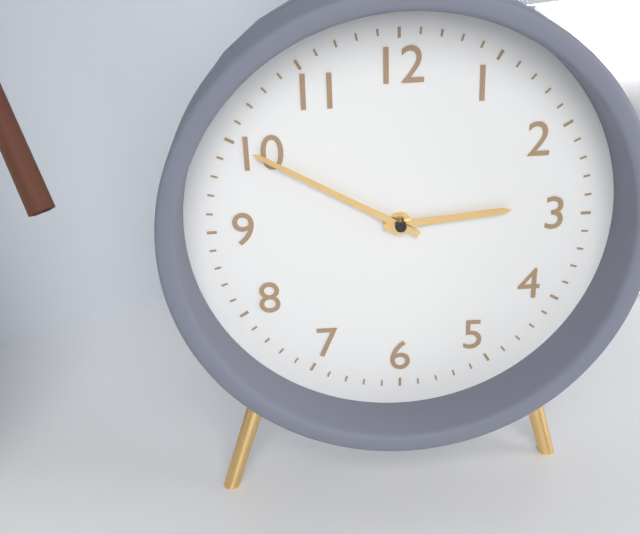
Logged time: h=2 m=50
